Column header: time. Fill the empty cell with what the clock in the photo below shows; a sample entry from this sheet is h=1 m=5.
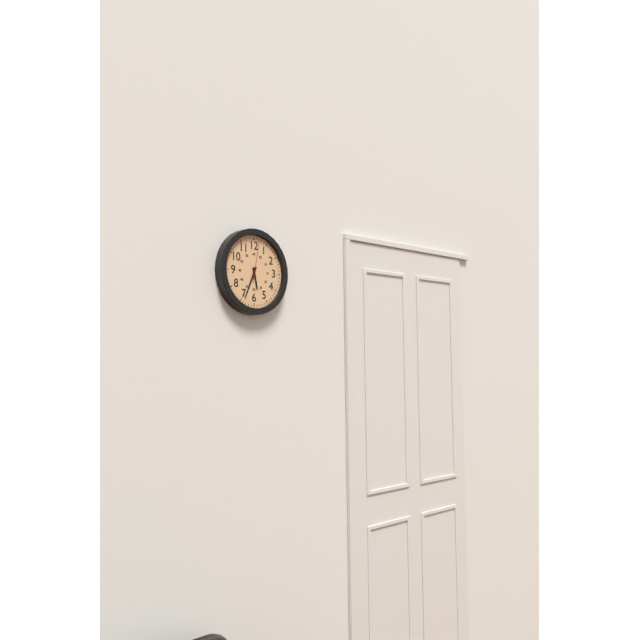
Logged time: h=5 m=34
